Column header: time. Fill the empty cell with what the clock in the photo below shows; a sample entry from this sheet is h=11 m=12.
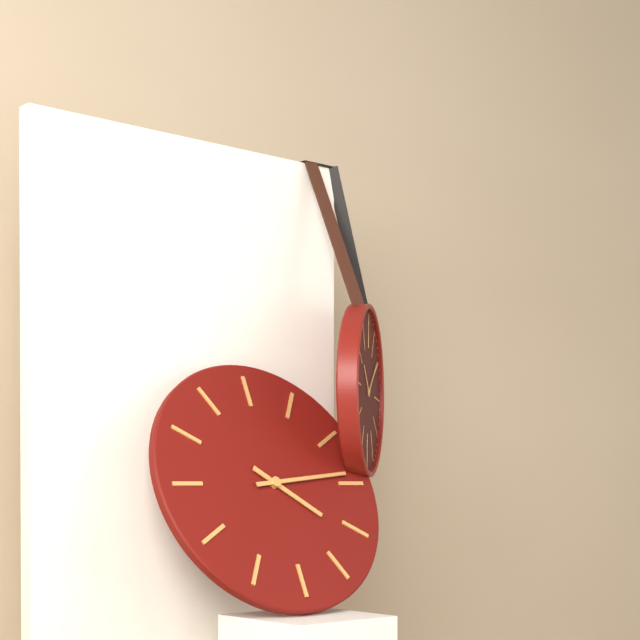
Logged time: h=4 m=14
